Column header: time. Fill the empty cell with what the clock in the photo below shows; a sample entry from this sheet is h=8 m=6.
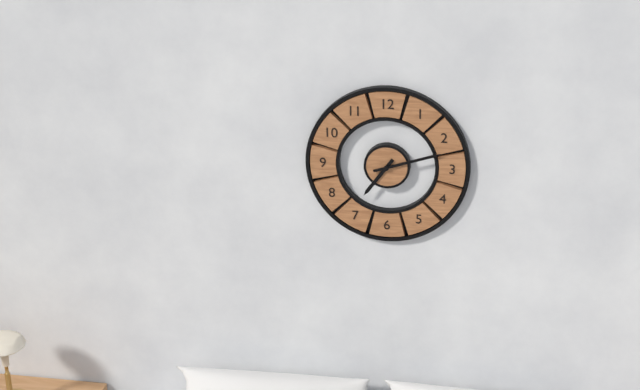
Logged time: h=7 m=12
